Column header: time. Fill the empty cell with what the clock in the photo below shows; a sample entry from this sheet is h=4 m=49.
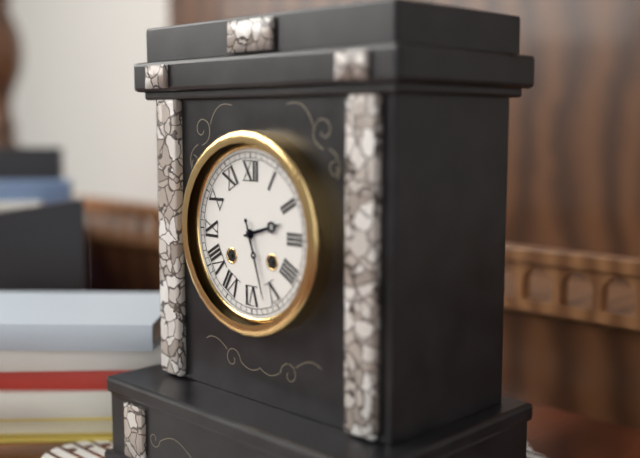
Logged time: h=2 m=27
